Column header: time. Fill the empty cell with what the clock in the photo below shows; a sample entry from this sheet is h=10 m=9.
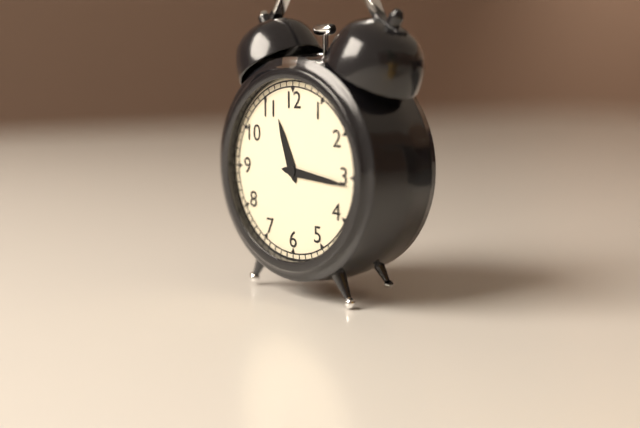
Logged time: h=11 m=16
